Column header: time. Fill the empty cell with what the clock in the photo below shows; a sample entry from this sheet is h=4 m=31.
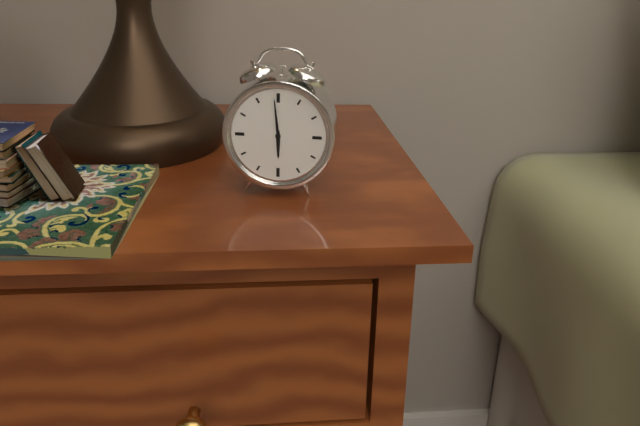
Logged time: h=5 m=59
